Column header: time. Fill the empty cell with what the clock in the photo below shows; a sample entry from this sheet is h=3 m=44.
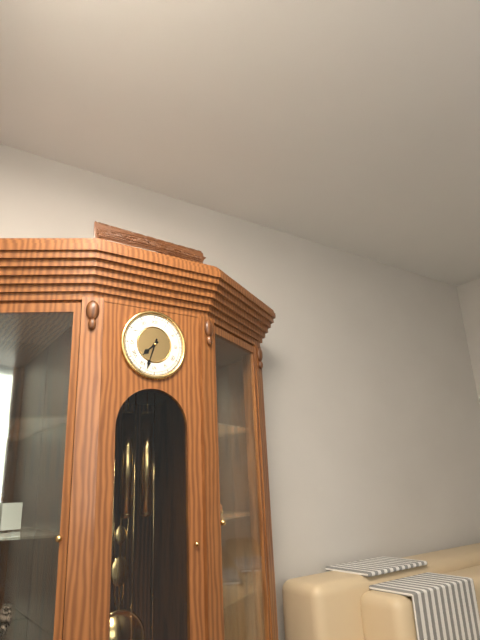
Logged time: h=7 m=33
